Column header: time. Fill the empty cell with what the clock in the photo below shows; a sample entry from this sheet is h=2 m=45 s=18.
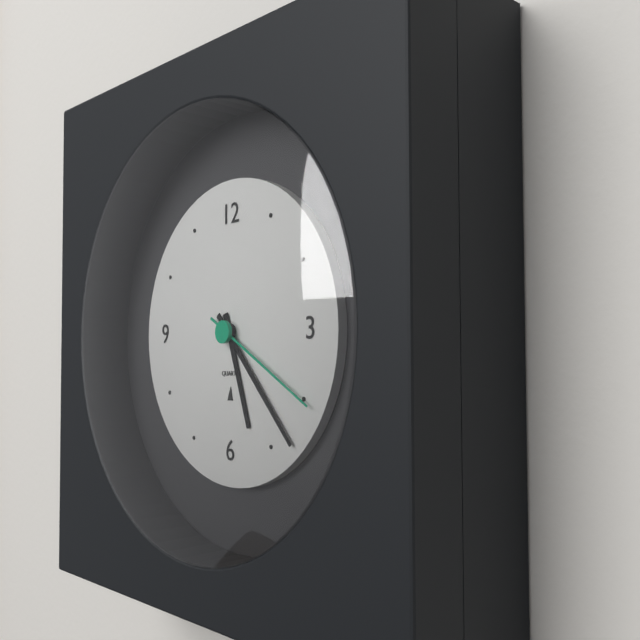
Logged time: h=5 m=23 s=20
